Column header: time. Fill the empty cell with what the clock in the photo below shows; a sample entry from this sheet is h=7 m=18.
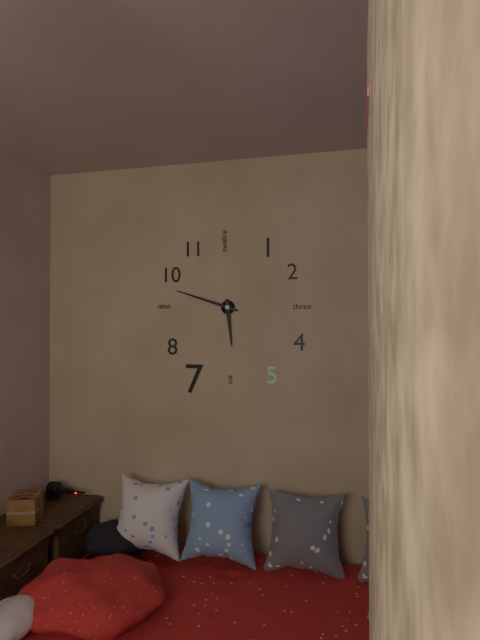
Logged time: h=5 m=48
